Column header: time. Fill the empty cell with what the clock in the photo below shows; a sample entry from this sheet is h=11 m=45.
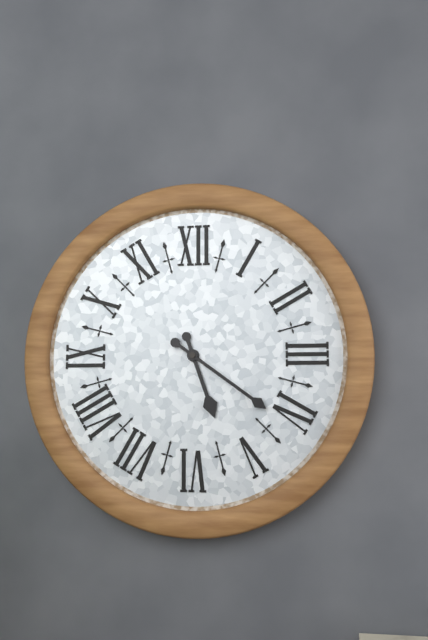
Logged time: h=5 m=21
